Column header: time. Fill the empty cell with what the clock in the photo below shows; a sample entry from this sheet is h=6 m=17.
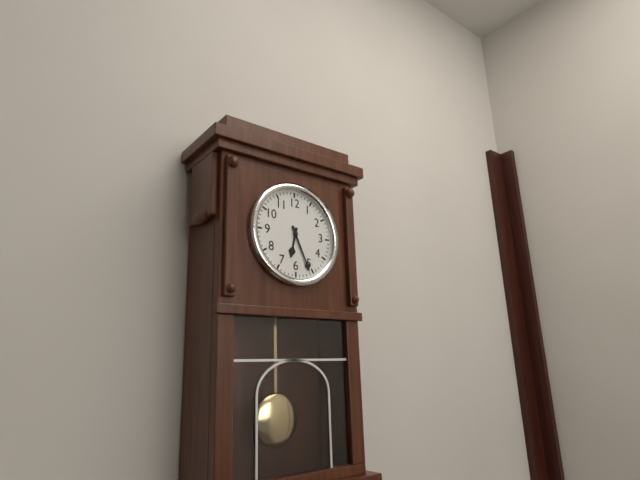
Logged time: h=6 m=26
